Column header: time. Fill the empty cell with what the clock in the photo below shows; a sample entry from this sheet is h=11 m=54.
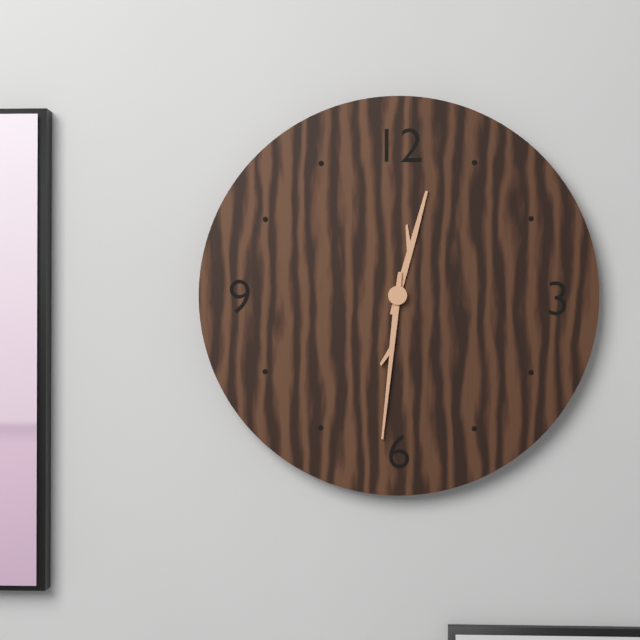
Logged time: h=12 m=31
